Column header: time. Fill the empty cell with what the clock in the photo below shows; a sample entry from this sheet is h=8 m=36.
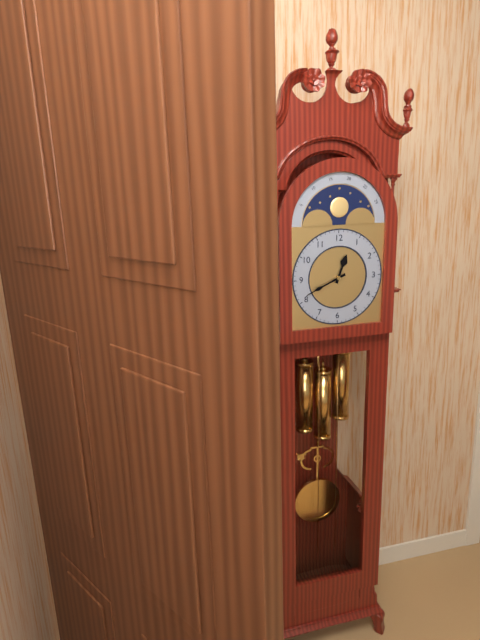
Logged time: h=12 m=41
